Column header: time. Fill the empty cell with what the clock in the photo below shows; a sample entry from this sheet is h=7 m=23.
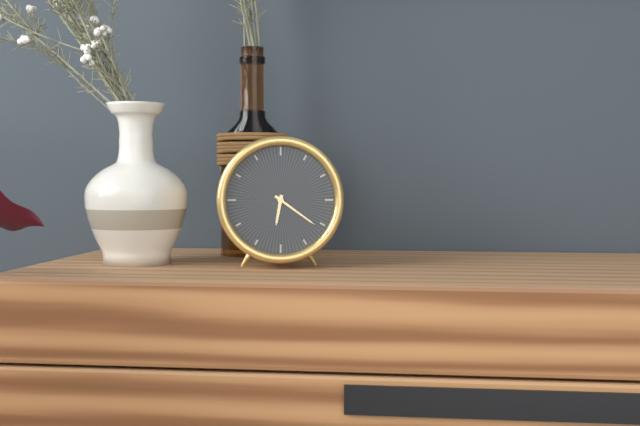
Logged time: h=6 m=21
